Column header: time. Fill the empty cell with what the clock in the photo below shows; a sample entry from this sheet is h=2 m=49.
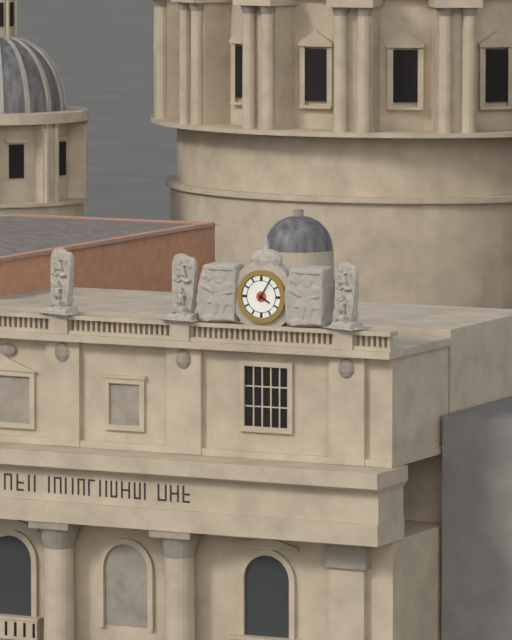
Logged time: h=4 m=5
